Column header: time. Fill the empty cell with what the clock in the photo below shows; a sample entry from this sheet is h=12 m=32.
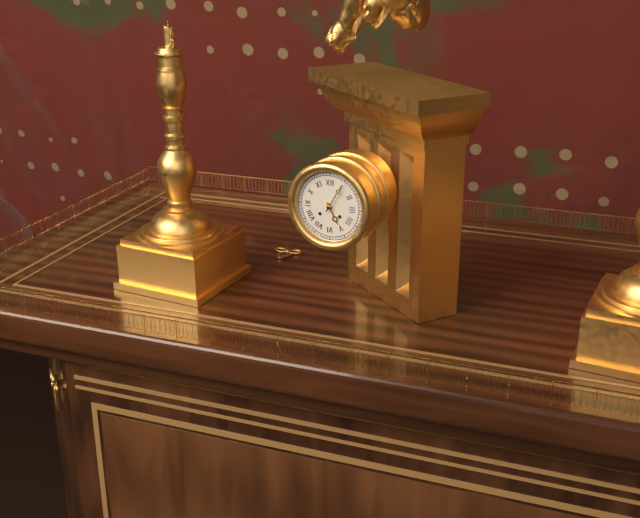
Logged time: h=5 m=5
